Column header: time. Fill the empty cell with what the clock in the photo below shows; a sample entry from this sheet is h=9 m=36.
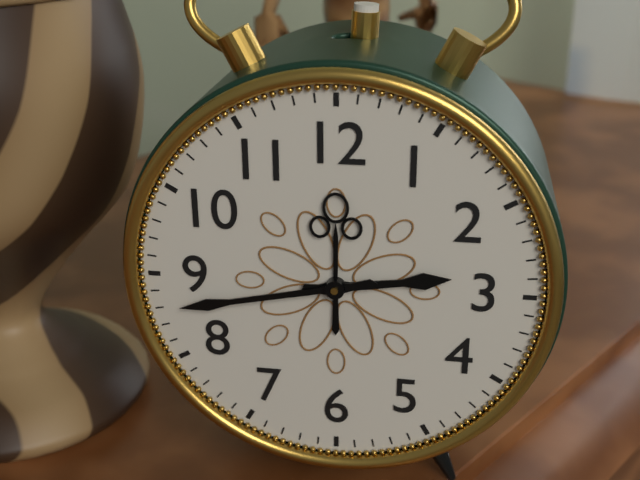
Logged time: h=2 m=43
